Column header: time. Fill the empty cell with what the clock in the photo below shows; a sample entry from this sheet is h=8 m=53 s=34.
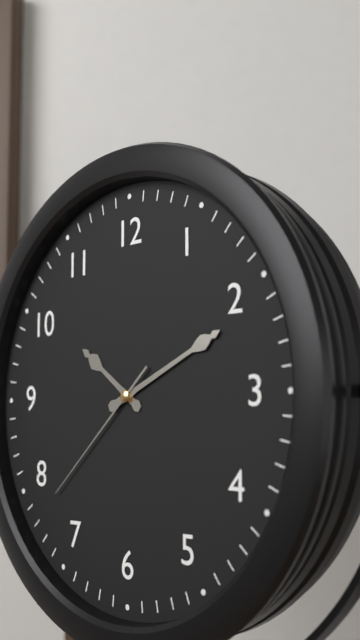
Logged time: h=10 m=11 s=38
